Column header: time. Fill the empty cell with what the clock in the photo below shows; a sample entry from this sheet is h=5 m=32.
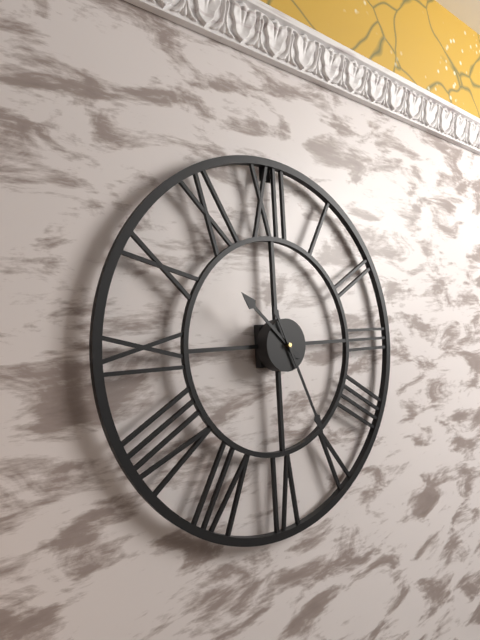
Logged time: h=10 m=26
